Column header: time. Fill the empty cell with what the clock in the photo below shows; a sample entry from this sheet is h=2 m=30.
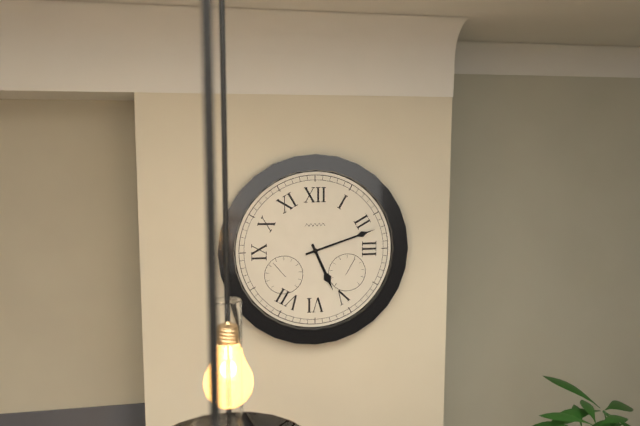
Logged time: h=5 m=12
